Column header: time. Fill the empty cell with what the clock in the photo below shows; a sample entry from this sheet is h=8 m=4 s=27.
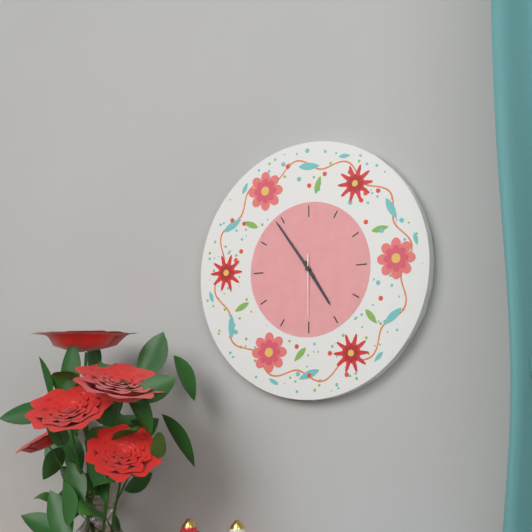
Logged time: h=4 m=54 s=30
